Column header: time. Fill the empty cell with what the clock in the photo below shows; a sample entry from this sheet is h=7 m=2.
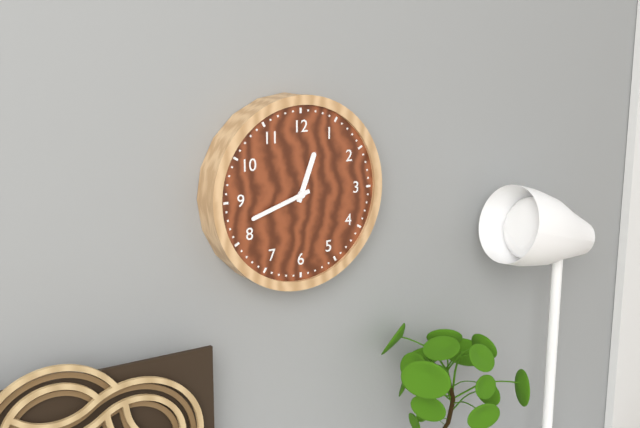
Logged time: h=12 m=42
